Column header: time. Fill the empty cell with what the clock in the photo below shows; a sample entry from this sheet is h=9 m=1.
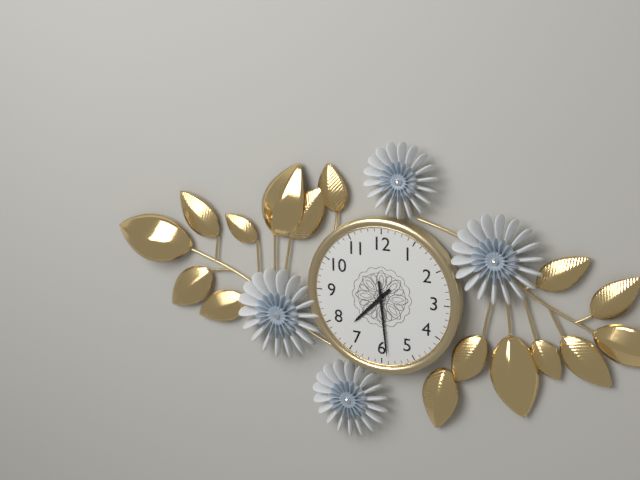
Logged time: h=7 m=29
